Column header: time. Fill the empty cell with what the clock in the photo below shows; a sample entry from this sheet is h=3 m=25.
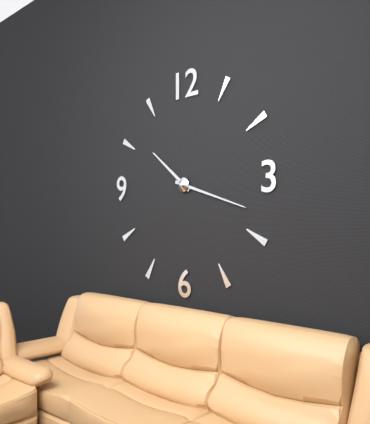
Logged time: h=10 m=18
